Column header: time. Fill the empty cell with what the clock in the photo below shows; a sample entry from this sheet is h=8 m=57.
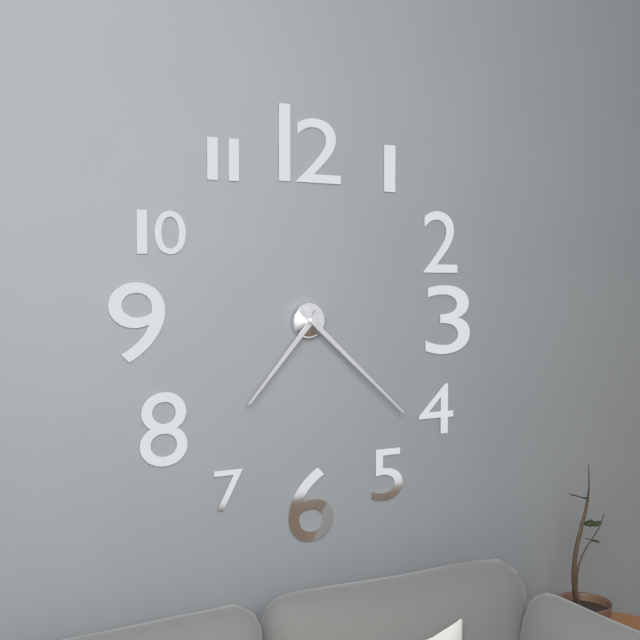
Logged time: h=7 m=22
